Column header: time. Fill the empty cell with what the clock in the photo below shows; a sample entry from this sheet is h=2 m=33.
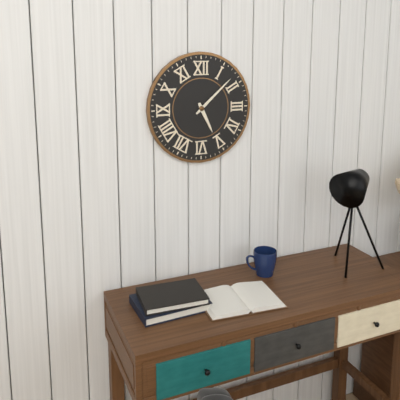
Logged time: h=5 m=8
